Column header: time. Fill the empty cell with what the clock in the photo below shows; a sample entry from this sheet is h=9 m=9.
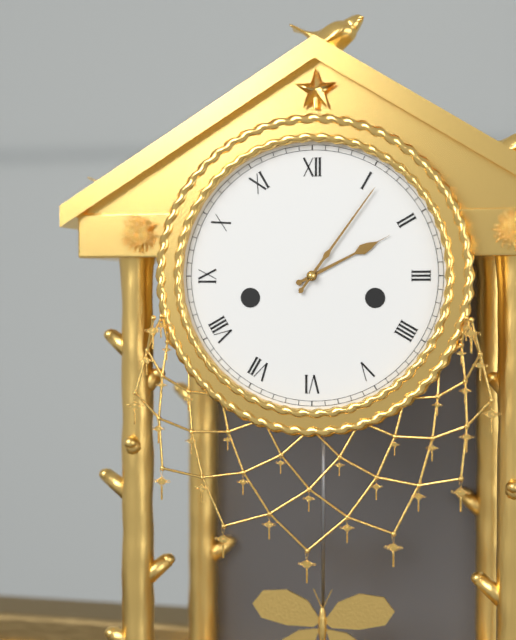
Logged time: h=2 m=6
